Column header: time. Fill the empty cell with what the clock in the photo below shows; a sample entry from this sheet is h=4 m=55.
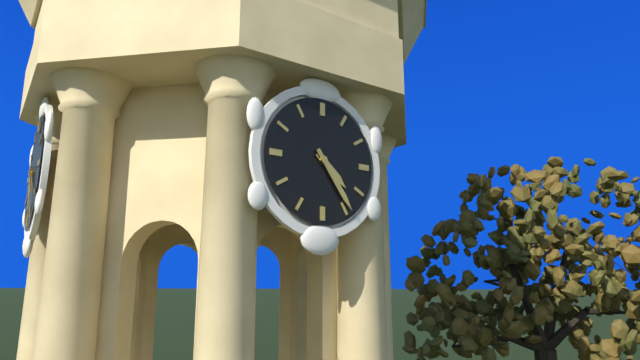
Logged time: h=4 m=24
